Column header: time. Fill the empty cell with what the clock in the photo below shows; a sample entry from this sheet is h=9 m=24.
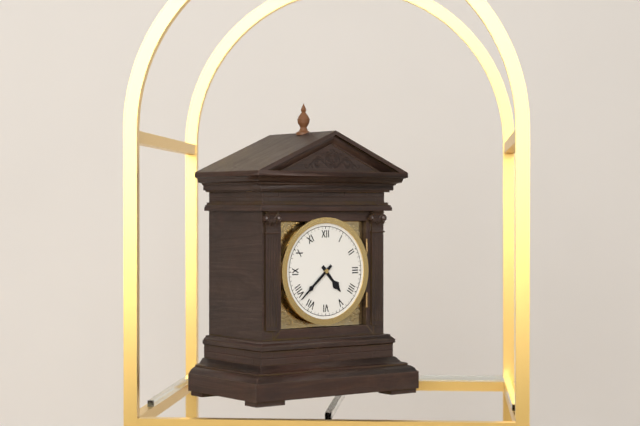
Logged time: h=4 m=38
